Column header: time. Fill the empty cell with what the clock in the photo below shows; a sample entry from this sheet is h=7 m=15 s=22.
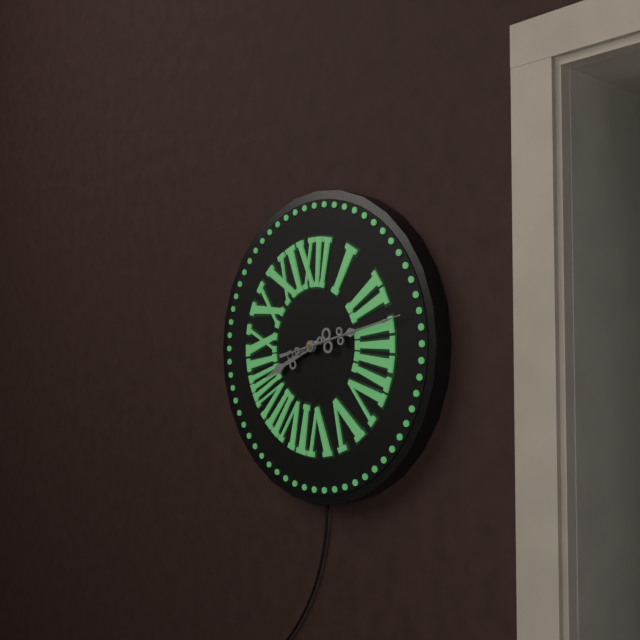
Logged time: h=8 m=13 s=13
